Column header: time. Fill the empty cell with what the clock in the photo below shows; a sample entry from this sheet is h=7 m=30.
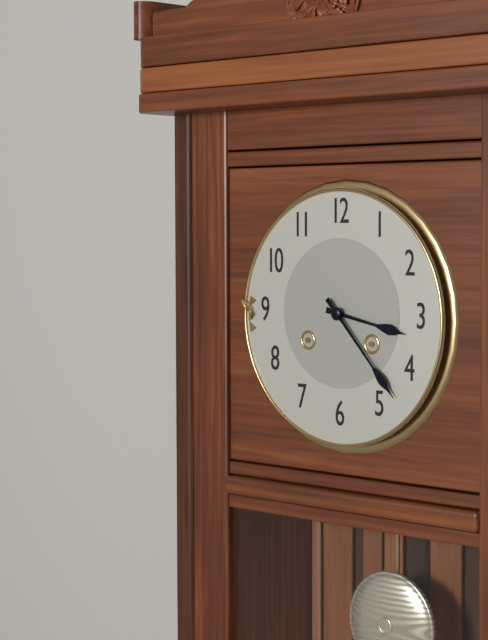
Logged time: h=3 m=23
